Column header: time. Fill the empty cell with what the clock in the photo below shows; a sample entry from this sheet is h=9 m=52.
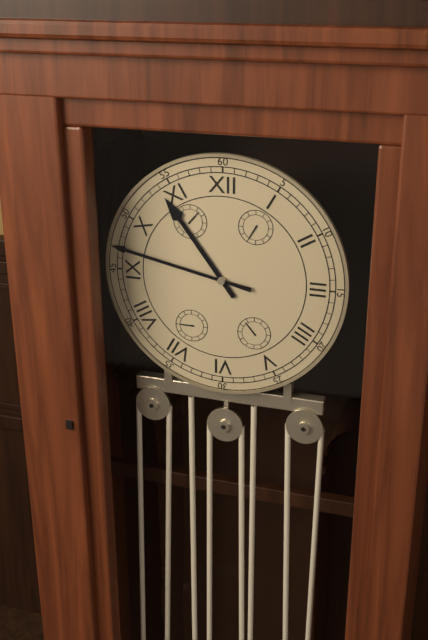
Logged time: h=10 m=47
